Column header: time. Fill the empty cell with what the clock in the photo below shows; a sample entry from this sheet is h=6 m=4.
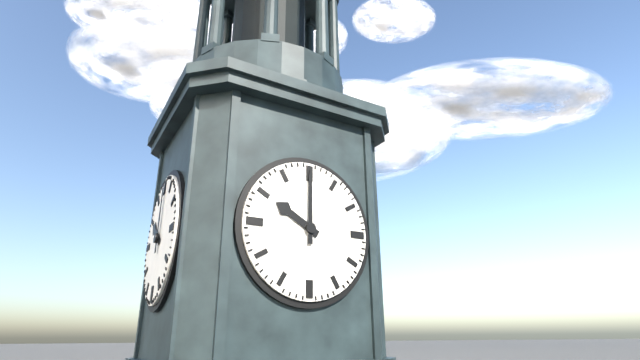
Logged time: h=10 m=0
